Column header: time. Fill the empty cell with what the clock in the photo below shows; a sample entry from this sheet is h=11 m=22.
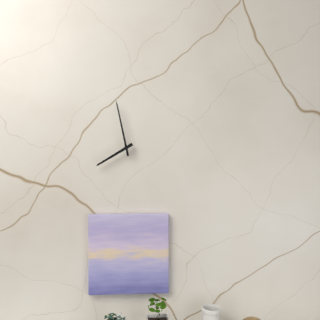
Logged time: h=7 m=58
